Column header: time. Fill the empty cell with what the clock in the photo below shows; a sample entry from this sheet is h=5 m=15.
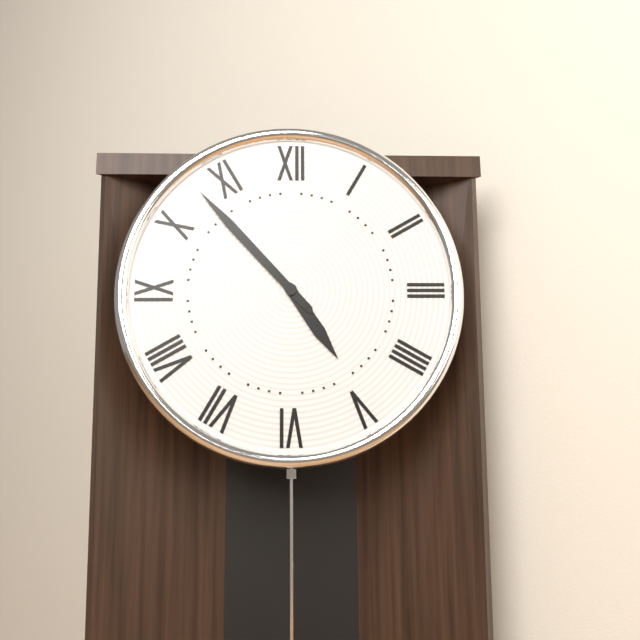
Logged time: h=4 m=53
